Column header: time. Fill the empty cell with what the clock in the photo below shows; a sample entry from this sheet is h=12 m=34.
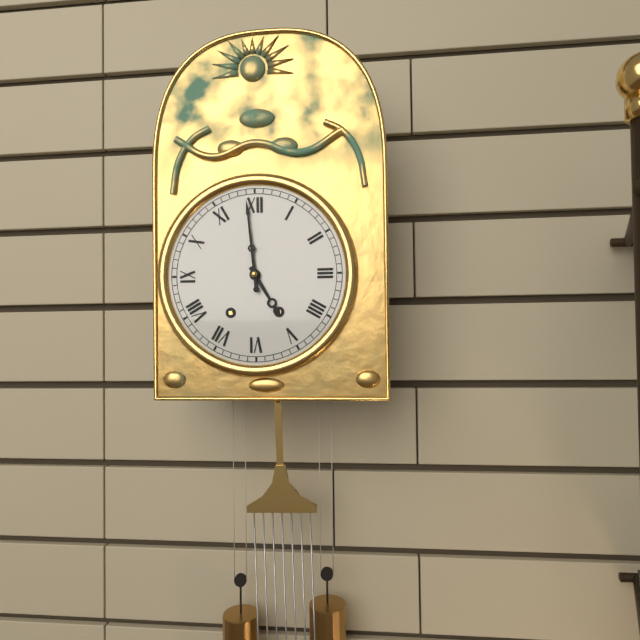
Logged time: h=4 m=59
